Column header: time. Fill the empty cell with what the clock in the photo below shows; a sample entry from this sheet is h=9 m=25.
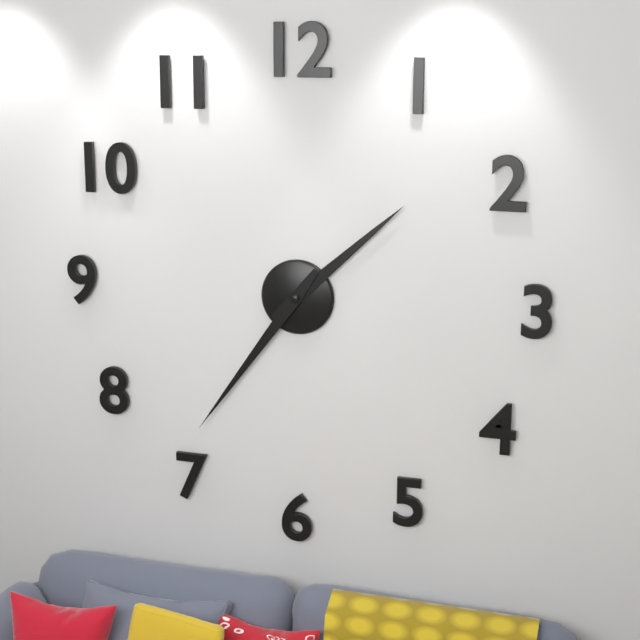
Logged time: h=1 m=36
